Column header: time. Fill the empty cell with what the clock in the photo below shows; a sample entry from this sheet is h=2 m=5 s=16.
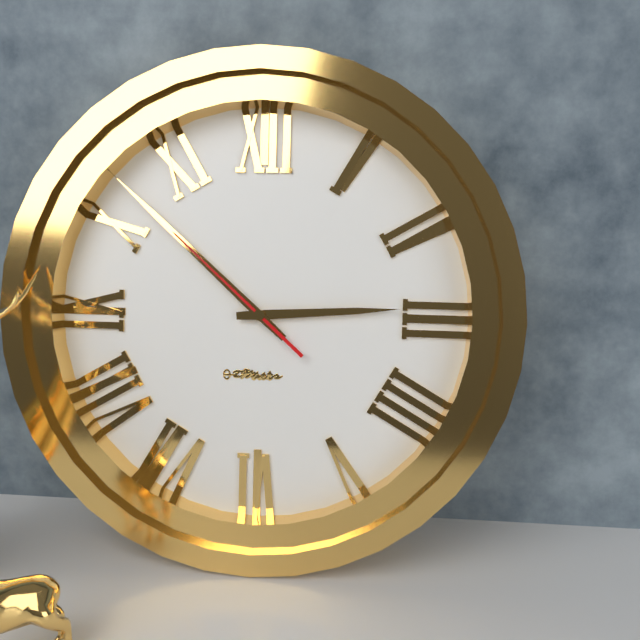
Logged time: h=2 m=52 s=52
